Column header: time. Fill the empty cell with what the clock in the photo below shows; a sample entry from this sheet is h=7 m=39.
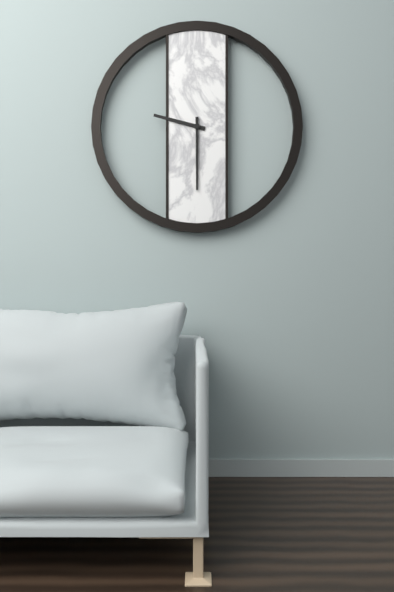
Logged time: h=9 m=30
